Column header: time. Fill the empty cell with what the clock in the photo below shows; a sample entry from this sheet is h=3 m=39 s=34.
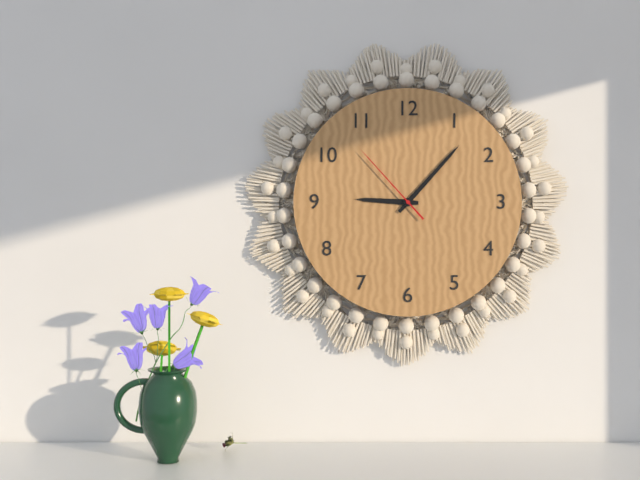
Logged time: h=9 m=7 s=53
